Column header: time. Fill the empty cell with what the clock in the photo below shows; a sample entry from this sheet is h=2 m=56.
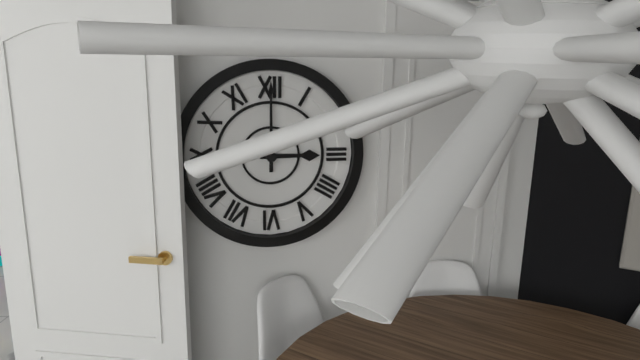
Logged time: h=3 m=0
